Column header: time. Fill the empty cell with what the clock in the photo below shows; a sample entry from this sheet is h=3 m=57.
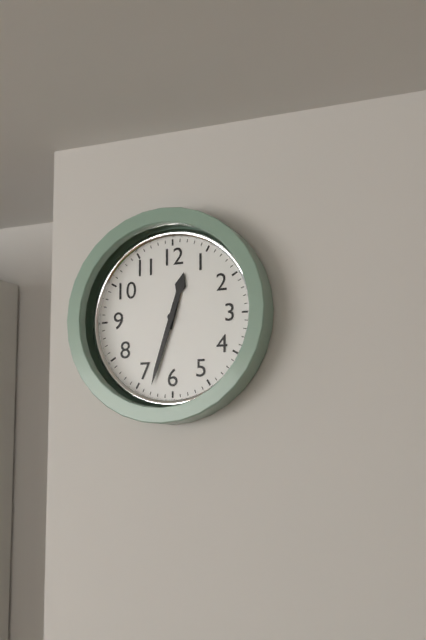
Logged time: h=12 m=33
